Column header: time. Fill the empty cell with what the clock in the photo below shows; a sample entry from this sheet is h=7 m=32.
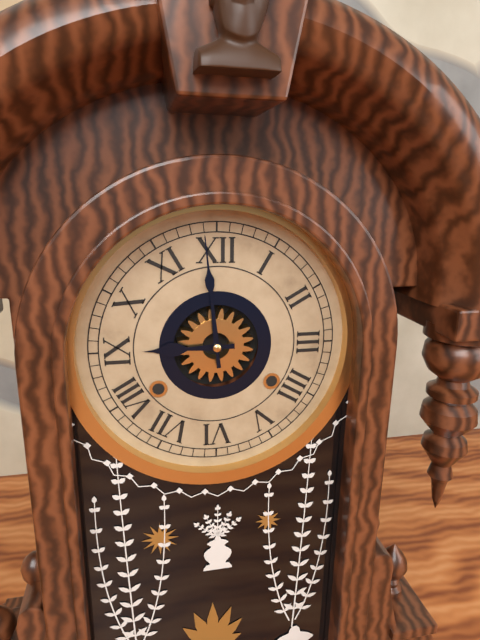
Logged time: h=8 m=59
